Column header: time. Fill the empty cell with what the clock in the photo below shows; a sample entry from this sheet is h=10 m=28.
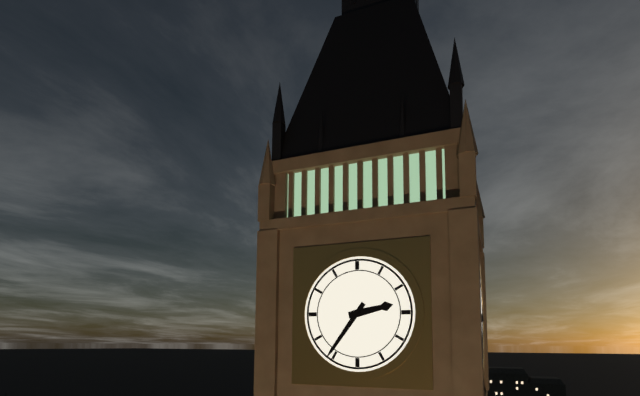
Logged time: h=2 m=36
